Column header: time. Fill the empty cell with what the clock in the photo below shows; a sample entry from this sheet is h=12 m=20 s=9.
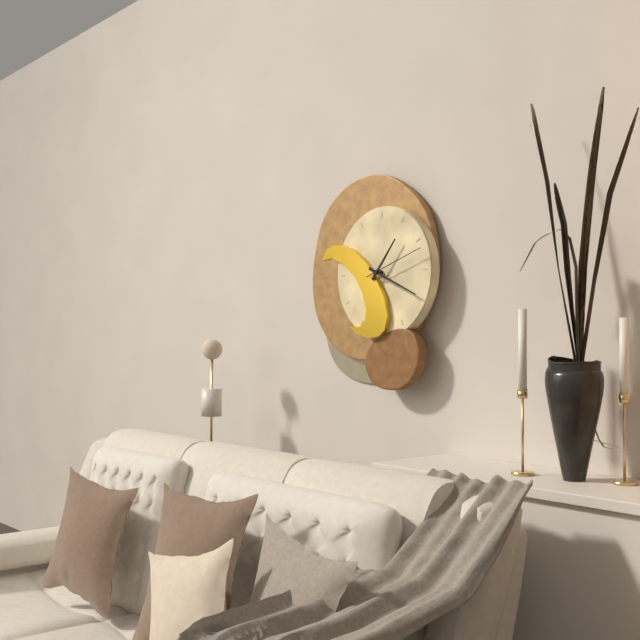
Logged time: h=1 m=19 s=12
